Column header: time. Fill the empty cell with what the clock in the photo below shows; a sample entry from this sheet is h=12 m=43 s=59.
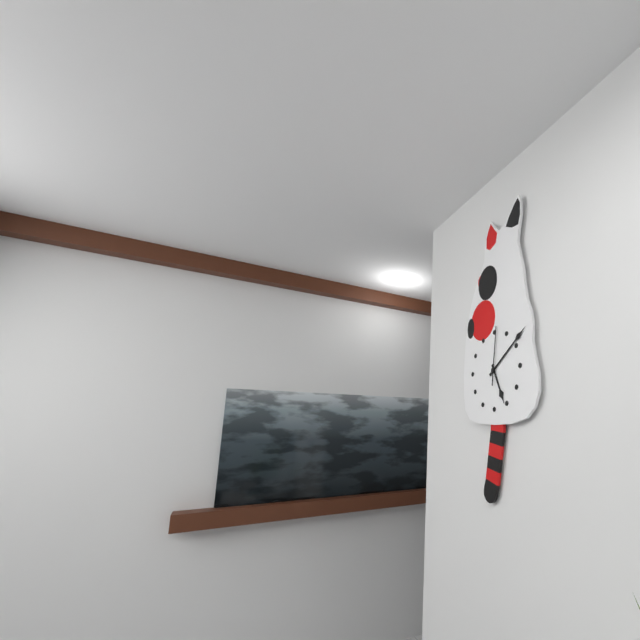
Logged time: h=5 m=9 s=1
